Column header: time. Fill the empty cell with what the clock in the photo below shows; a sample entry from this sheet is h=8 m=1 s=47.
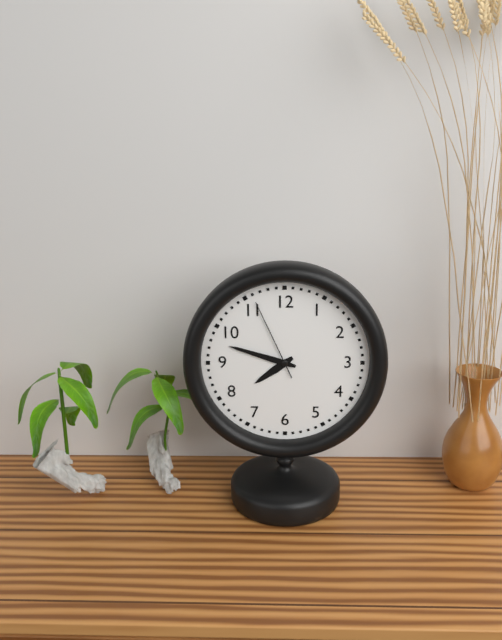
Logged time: h=7 m=48 s=56
